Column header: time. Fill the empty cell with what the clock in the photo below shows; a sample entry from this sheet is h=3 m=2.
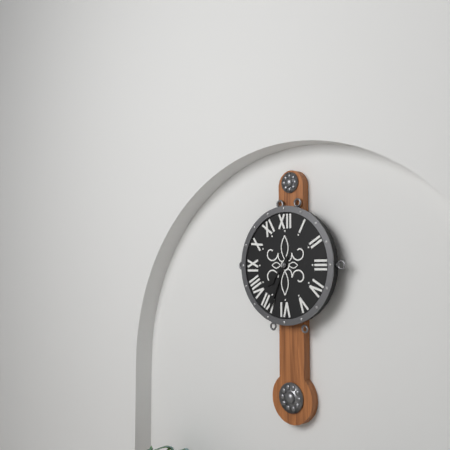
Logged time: h=7 m=34
